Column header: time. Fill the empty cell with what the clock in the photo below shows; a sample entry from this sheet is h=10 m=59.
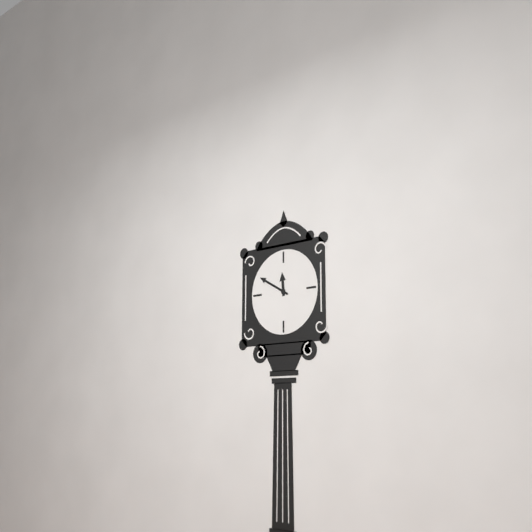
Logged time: h=11 m=50
